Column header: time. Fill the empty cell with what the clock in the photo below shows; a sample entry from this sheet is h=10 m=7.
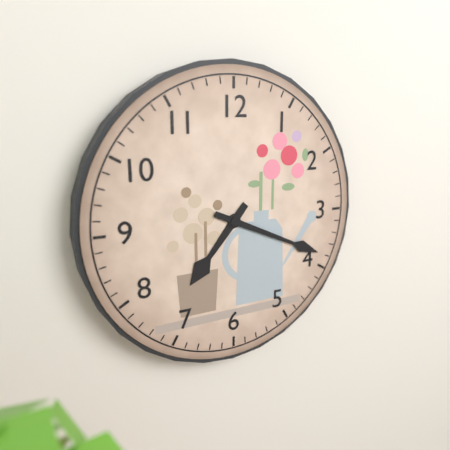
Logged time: h=7 m=19
